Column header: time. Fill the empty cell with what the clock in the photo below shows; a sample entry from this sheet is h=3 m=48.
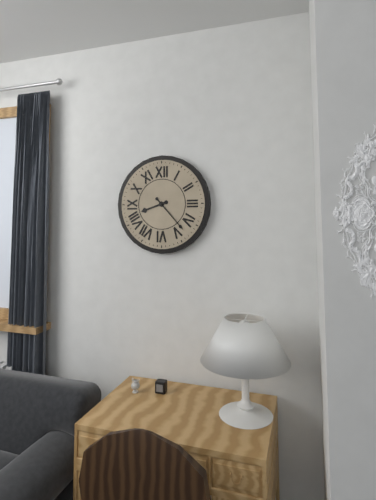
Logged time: h=8 m=23
